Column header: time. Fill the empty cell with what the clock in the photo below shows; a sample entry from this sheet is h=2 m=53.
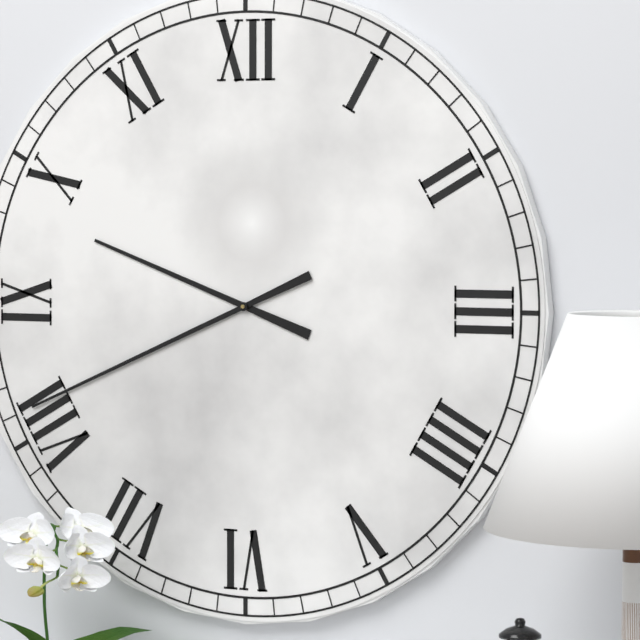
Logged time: h=9 m=41
